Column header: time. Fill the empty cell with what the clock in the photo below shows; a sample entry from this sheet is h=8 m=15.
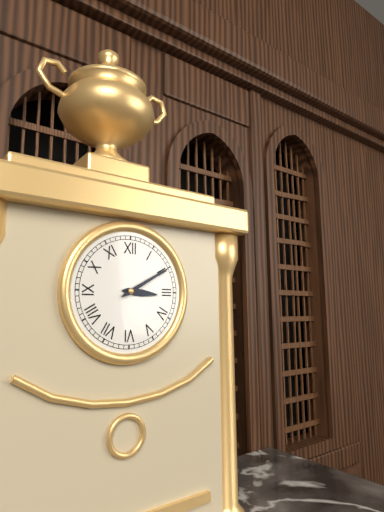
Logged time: h=3 m=10
